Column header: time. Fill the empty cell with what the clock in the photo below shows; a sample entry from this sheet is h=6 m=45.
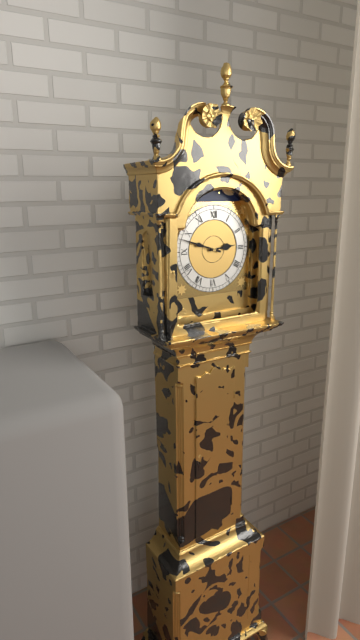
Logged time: h=2 m=48
